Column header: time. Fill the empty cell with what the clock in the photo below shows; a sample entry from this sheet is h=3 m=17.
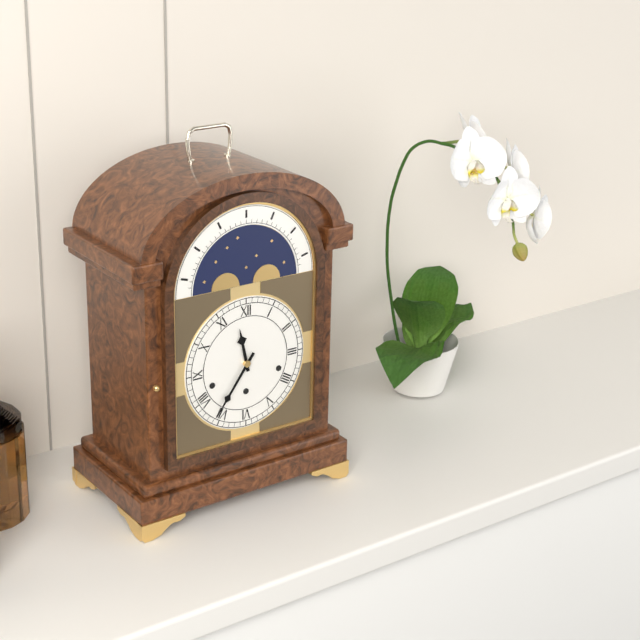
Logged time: h=11 m=36
